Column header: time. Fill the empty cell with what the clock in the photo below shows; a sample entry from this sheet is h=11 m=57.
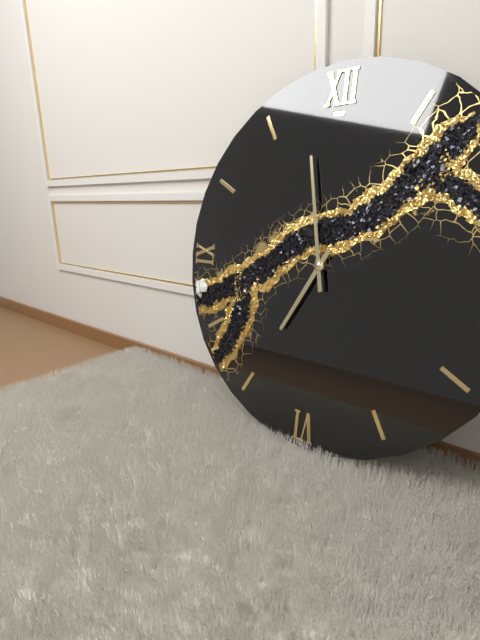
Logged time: h=6 m=58
